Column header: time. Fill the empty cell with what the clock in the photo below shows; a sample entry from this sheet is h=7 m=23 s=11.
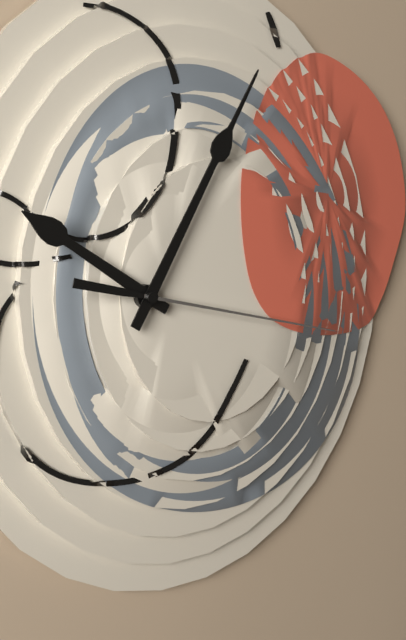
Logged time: h=10 m=5 s=17
